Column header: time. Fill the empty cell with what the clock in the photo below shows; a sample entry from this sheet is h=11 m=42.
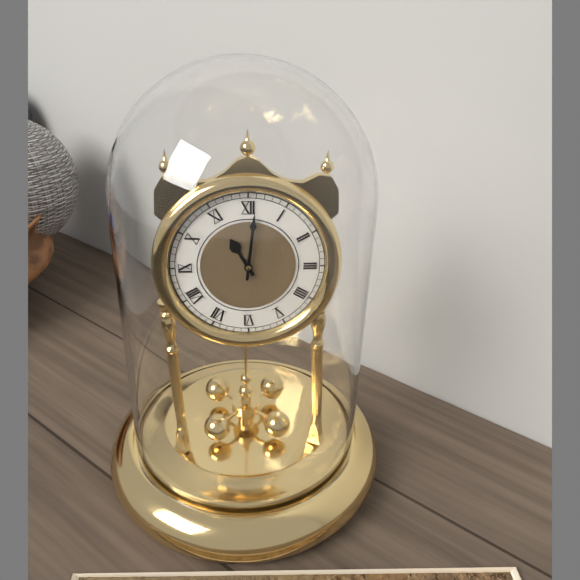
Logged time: h=11 m=1
